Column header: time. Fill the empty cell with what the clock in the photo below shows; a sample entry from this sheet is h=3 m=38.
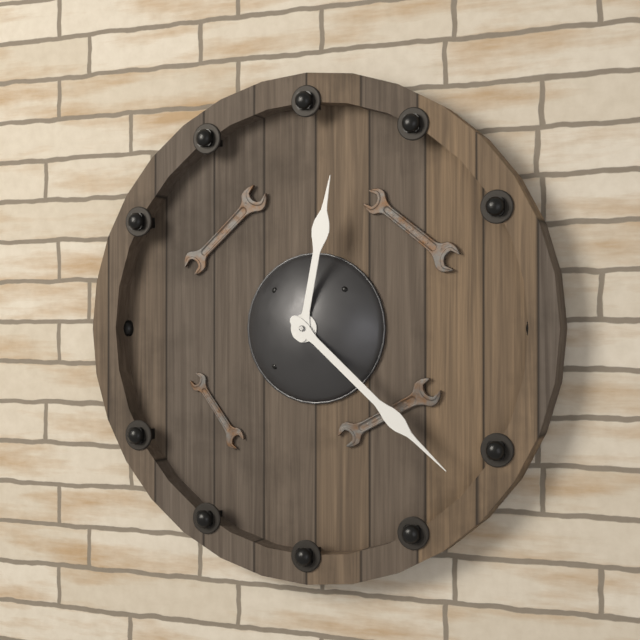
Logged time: h=12 m=22
